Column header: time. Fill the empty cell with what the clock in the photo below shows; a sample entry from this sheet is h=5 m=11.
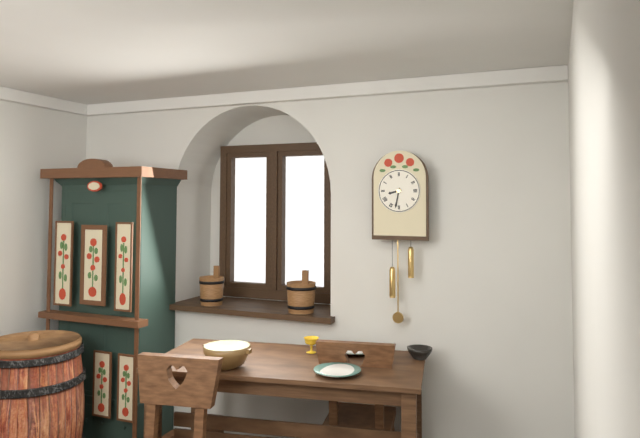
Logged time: h=8 m=32
